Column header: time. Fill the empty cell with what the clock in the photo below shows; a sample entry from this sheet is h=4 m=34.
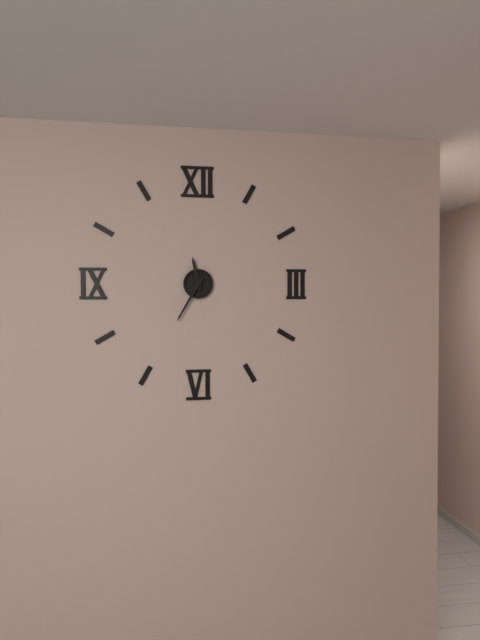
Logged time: h=11 m=35
